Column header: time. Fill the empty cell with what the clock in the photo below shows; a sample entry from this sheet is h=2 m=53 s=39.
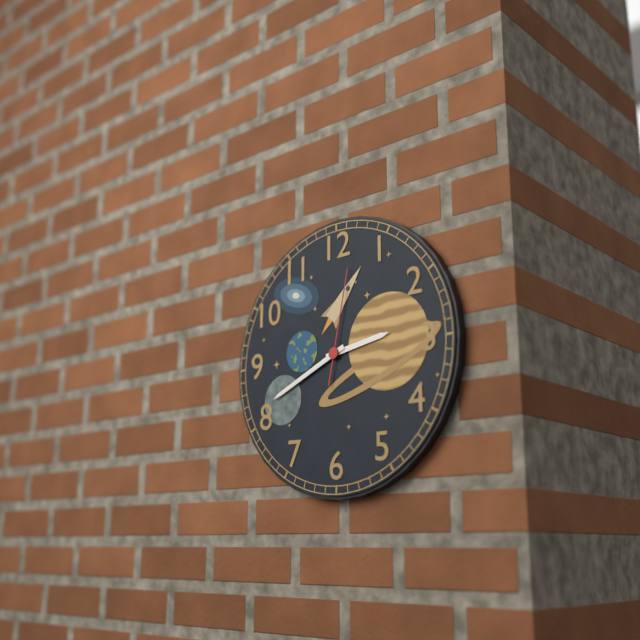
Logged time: h=2 m=41 s=2
